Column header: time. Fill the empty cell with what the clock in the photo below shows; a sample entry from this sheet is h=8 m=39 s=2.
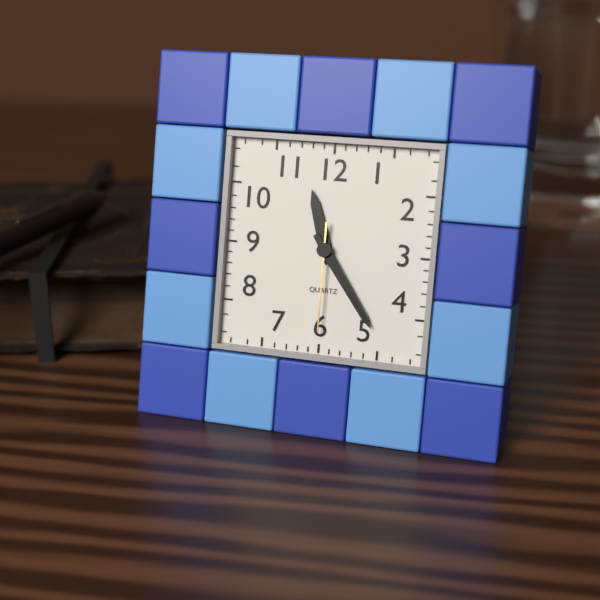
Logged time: h=11 m=24 s=30
